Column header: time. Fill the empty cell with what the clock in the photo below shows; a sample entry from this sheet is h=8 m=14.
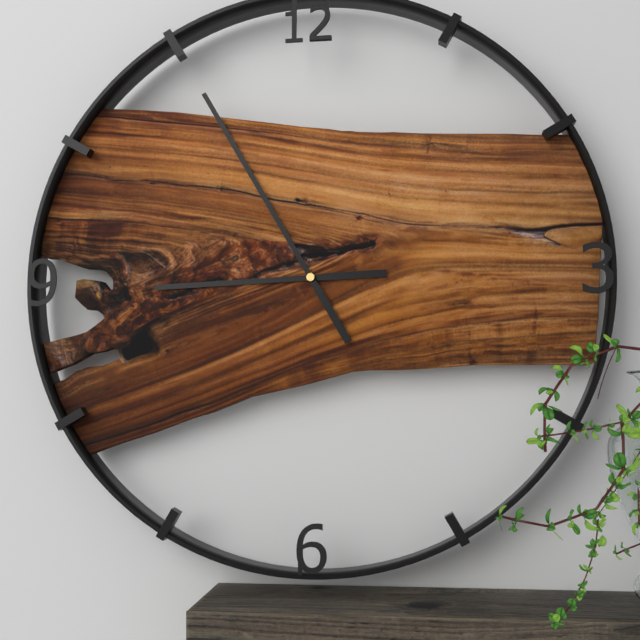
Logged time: h=8 m=55
